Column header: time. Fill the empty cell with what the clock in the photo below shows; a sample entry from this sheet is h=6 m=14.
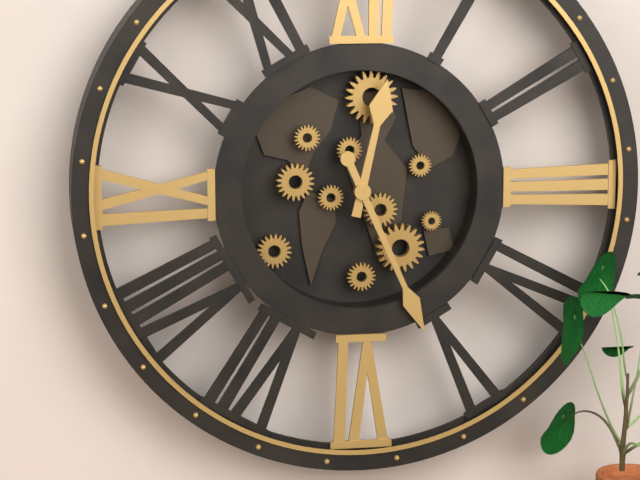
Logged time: h=12 m=26
